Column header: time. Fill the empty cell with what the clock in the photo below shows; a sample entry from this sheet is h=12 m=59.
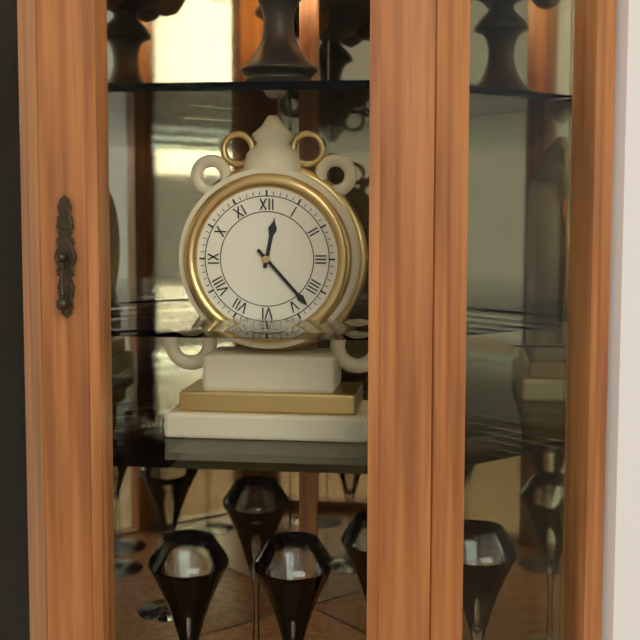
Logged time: h=12 m=23
